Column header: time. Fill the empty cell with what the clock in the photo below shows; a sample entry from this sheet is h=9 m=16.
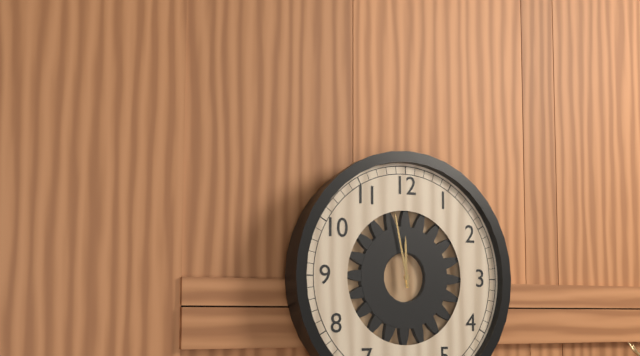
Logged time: h=11 m=58
